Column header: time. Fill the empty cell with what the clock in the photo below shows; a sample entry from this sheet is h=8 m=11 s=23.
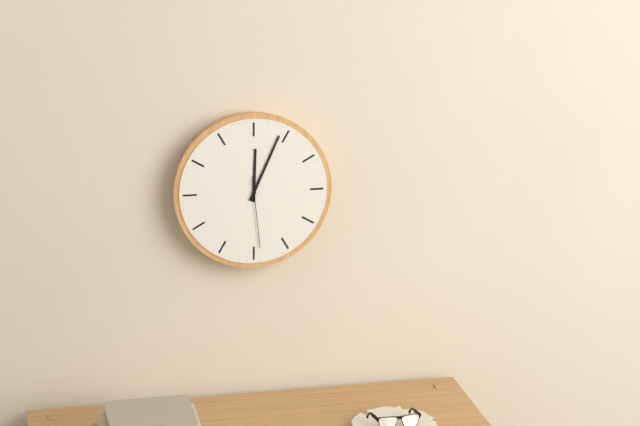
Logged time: h=12 m=4 s=29
